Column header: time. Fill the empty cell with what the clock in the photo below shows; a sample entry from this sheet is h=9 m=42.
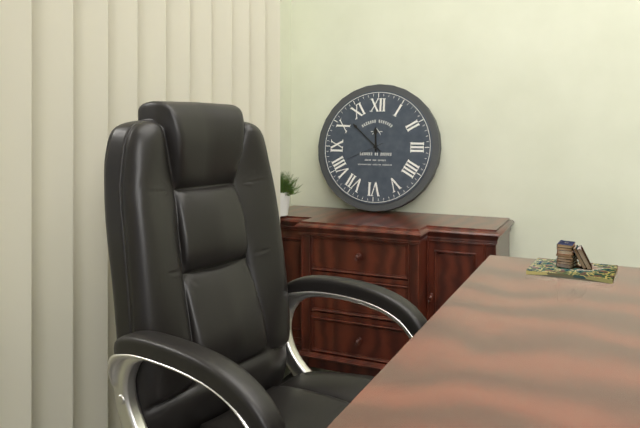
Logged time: h=11 m=52
